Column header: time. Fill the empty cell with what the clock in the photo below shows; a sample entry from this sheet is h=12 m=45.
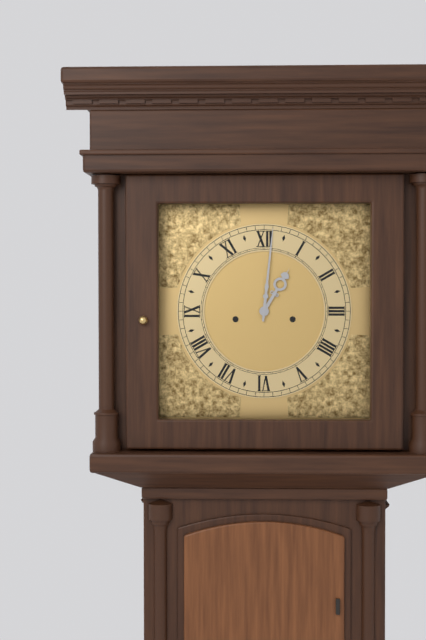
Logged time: h=1 m=1
